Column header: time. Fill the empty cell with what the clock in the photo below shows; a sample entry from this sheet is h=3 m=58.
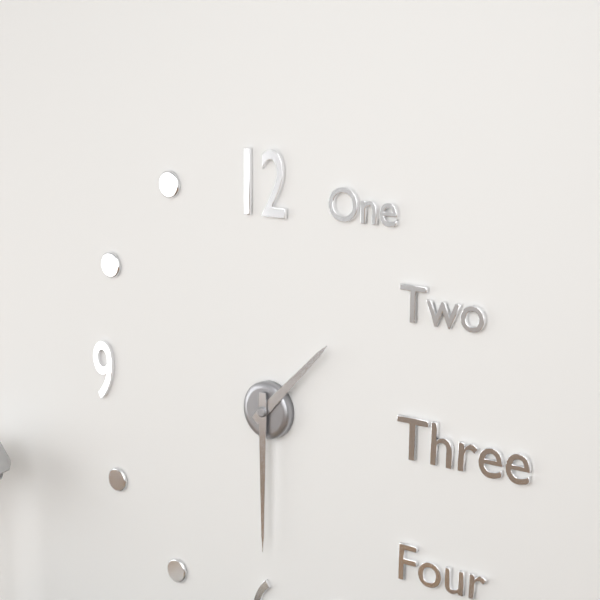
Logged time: h=1 m=30
